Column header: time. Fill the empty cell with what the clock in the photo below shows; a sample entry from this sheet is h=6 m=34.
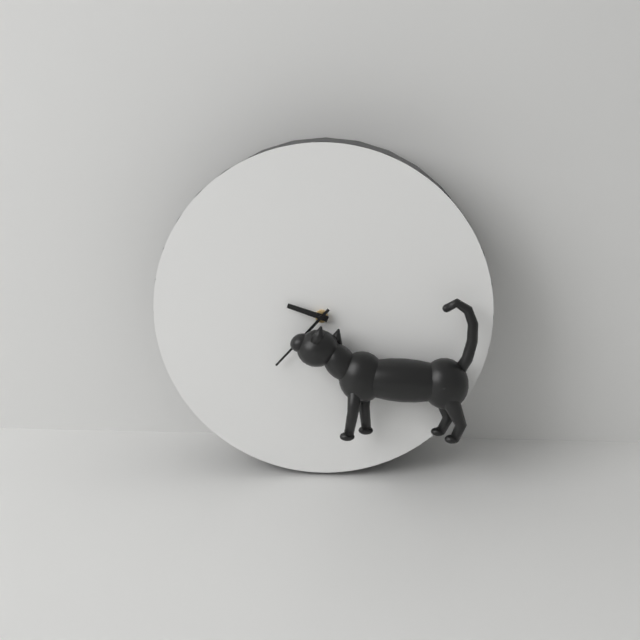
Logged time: h=9 m=37
